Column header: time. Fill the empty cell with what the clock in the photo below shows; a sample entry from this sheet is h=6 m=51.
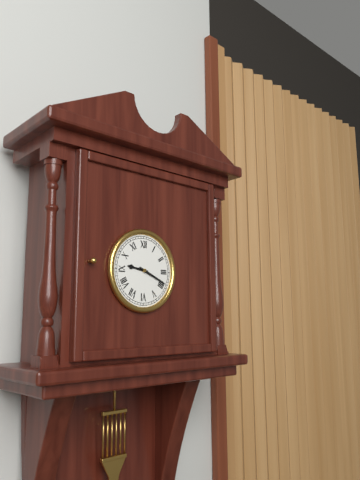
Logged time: h=9 m=19
